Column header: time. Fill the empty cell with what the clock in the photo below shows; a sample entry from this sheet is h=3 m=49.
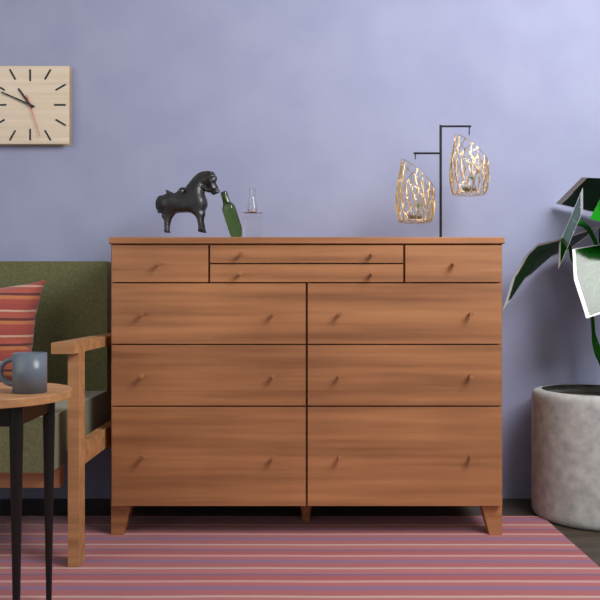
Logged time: h=10 m=49
